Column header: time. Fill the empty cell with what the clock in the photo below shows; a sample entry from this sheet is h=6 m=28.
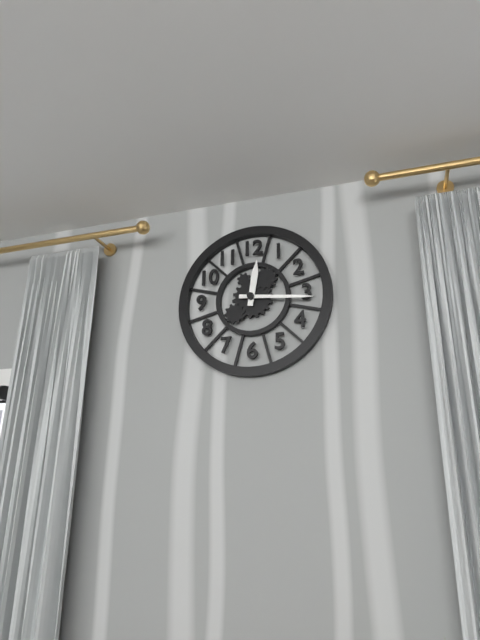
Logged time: h=12 m=16
